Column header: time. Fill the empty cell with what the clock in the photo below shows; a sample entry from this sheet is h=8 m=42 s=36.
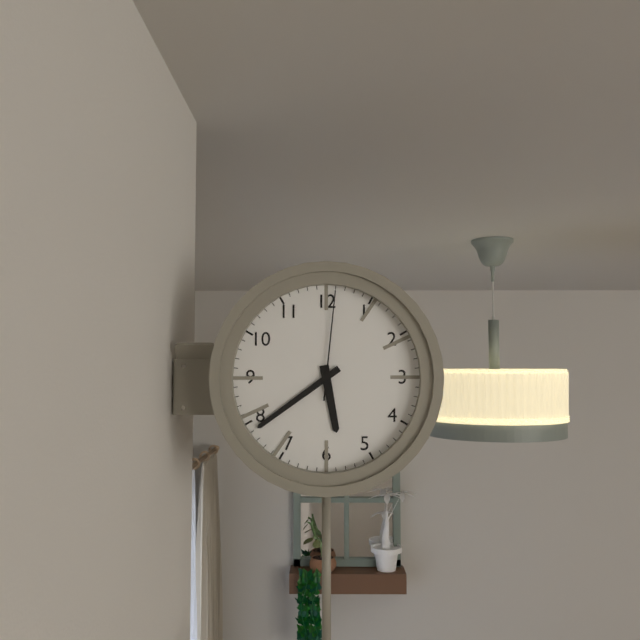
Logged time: h=5 m=39 s=1
